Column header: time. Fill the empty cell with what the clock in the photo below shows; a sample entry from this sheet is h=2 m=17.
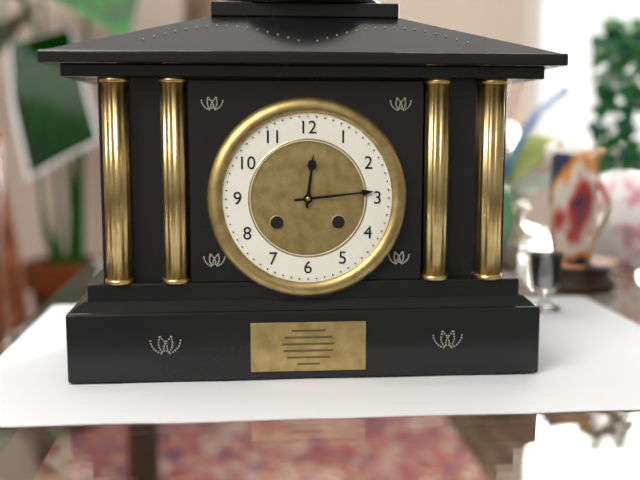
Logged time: h=12 m=14
